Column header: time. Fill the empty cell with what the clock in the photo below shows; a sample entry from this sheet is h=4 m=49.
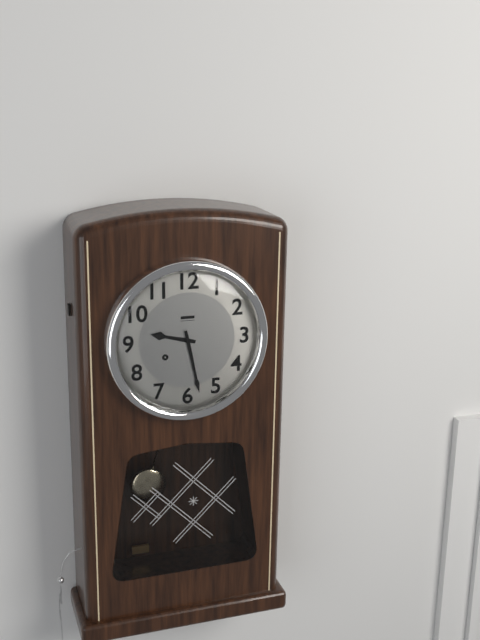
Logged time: h=9 m=28
